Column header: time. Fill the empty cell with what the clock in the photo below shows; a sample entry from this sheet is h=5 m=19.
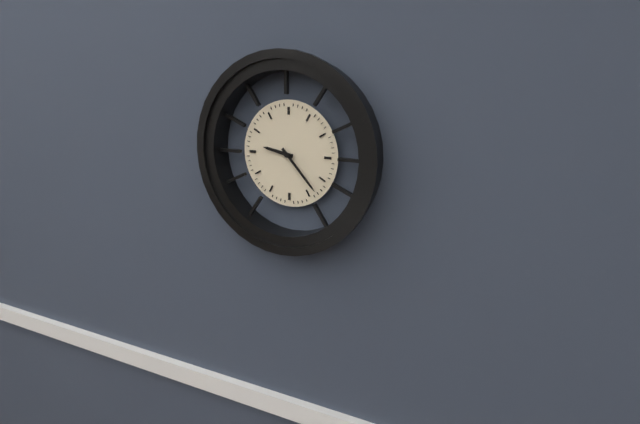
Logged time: h=9 m=23
